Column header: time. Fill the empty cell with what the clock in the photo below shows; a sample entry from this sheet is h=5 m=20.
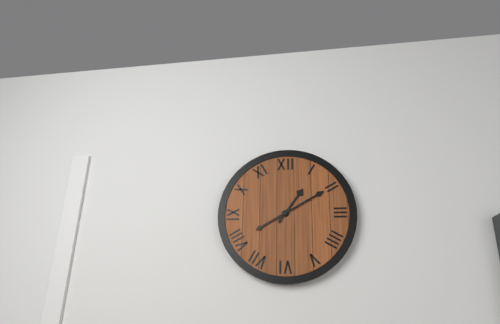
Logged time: h=1 m=10
